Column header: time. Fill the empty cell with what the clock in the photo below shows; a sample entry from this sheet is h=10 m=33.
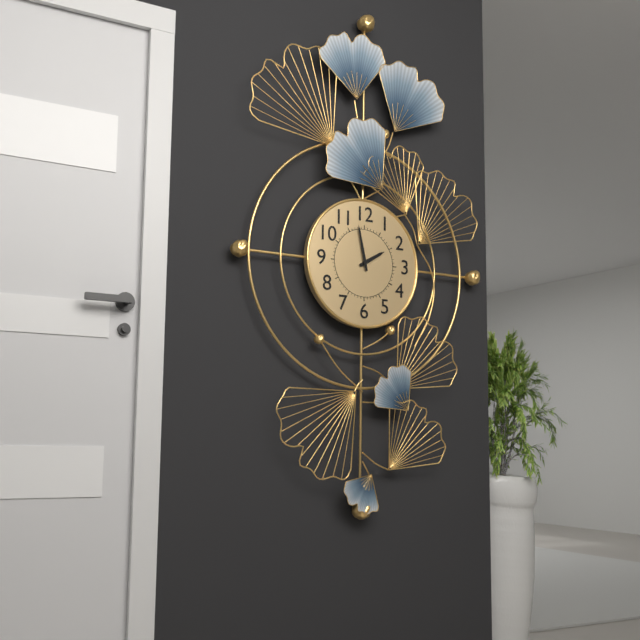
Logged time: h=1 m=58
